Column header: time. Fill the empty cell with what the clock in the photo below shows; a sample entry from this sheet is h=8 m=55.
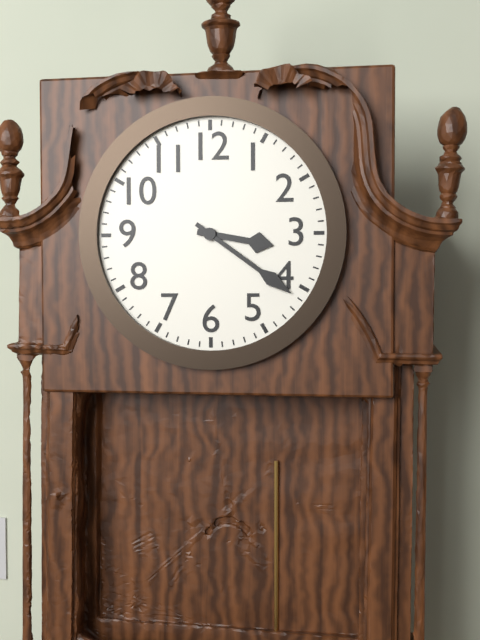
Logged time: h=3 m=21
